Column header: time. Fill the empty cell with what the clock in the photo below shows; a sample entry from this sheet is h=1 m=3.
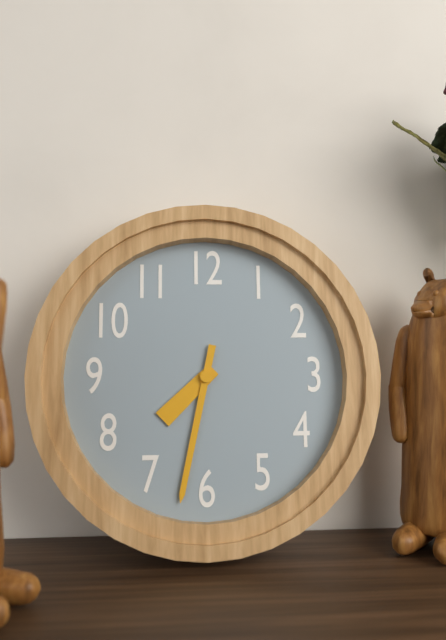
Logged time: h=7 m=32
